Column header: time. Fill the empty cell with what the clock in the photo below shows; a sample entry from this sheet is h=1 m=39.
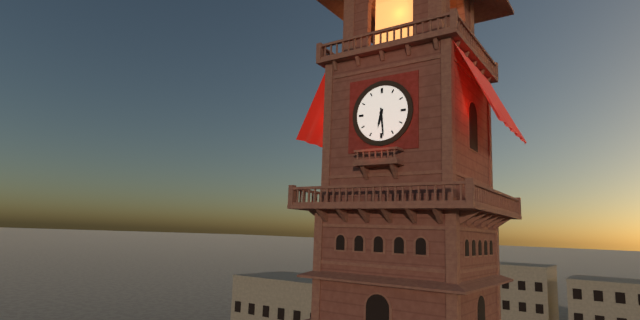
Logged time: h=6 m=29
